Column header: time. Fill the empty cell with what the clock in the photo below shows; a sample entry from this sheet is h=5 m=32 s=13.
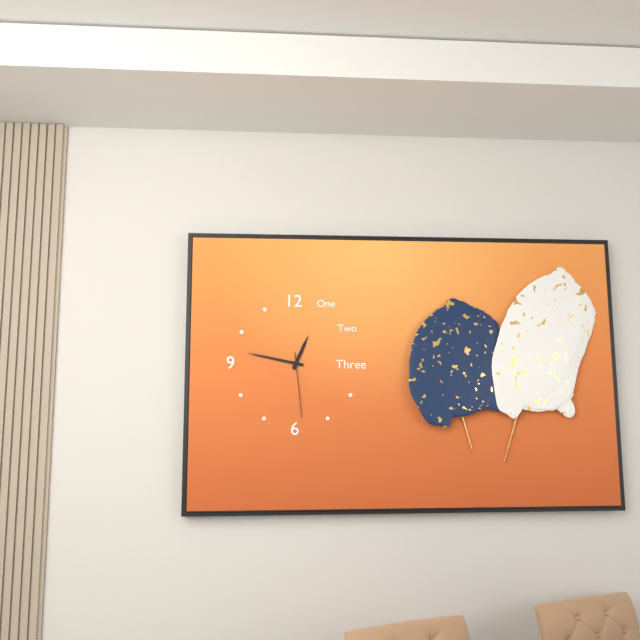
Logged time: h=12 m=47 s=29
